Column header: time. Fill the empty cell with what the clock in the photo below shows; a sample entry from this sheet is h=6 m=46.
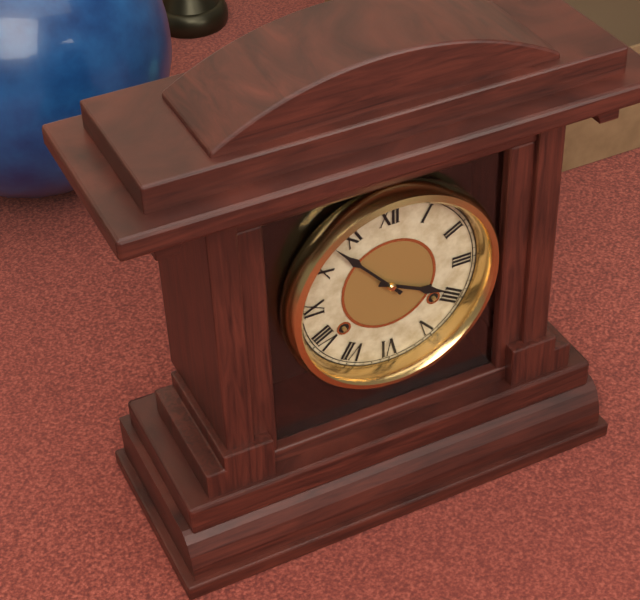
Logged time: h=3 m=53
